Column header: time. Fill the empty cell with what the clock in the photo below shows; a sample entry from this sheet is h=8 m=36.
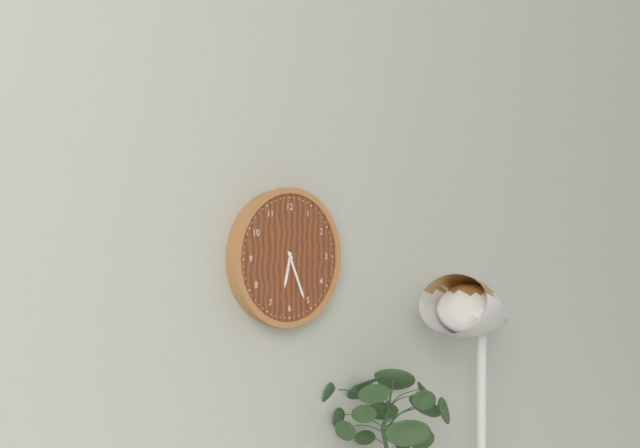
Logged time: h=6 m=26
